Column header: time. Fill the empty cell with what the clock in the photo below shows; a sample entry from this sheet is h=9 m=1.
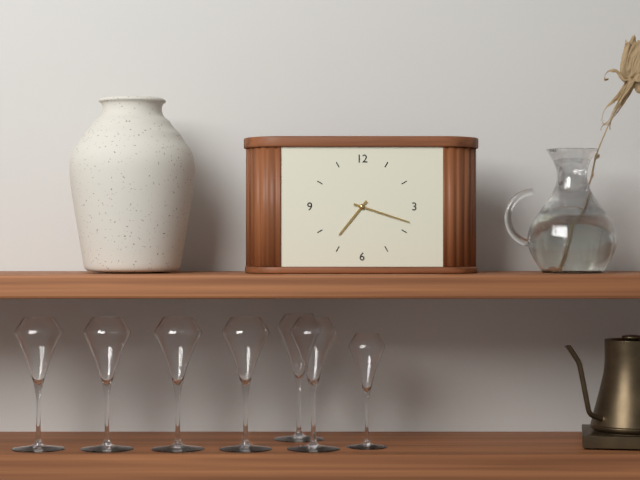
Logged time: h=7 m=18
